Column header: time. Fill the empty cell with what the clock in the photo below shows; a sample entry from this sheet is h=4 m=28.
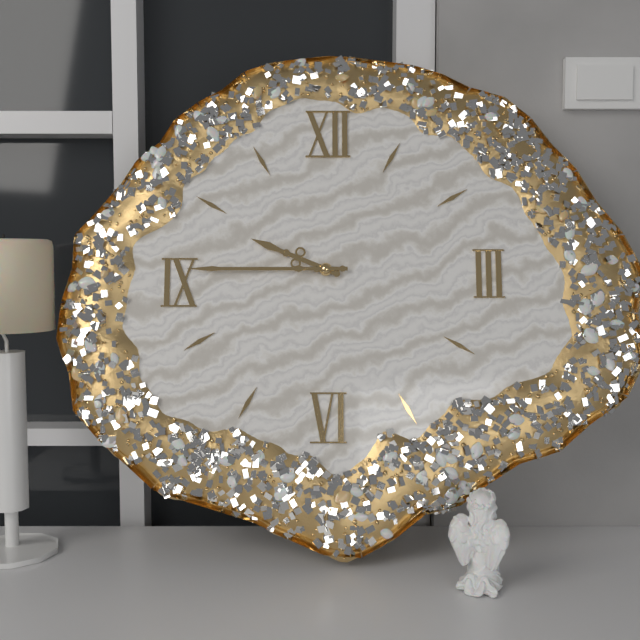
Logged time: h=9 m=45
